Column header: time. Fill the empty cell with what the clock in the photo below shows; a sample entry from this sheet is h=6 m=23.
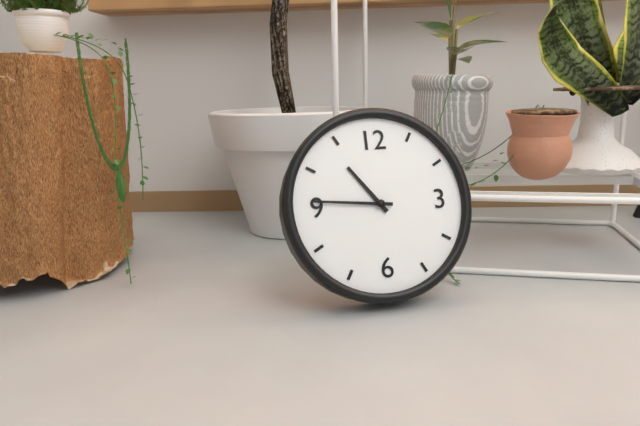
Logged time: h=10 m=46
